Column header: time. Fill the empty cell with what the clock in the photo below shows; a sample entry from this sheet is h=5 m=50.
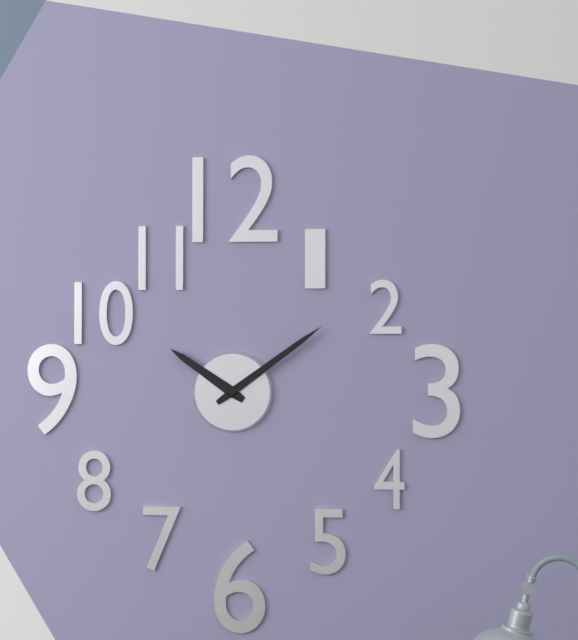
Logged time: h=10 m=9
